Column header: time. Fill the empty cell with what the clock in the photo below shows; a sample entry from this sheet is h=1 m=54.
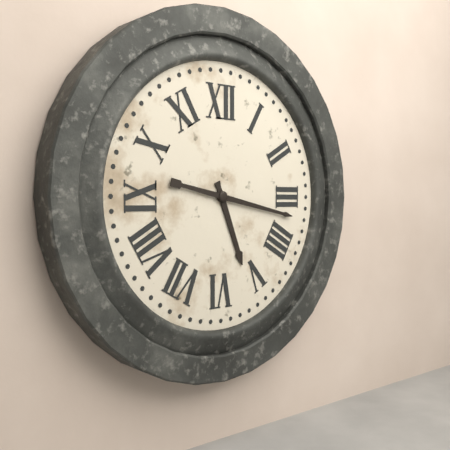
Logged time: h=5 m=17
